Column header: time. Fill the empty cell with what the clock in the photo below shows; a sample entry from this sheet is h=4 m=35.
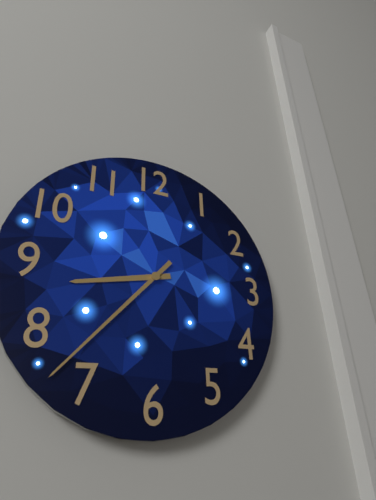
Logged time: h=8 m=37
